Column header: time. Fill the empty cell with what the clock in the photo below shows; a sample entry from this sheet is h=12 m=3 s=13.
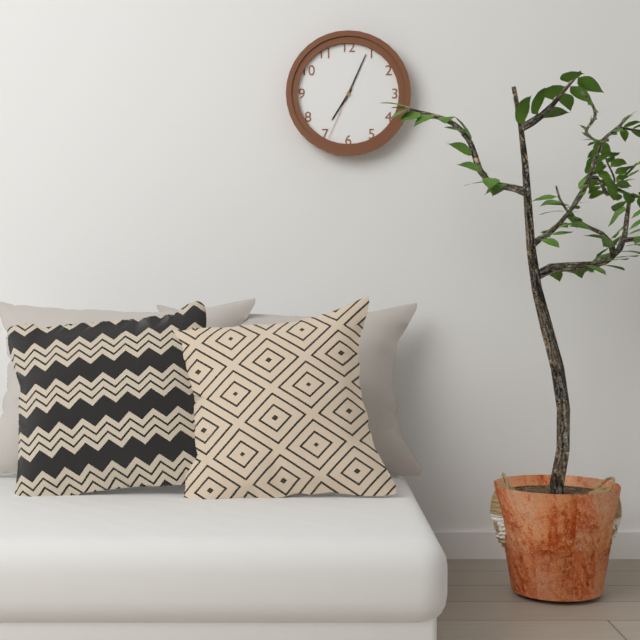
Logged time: h=7 m=4 s=34
